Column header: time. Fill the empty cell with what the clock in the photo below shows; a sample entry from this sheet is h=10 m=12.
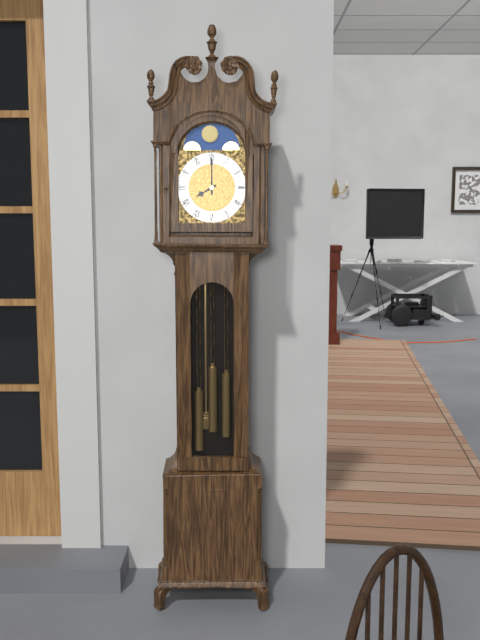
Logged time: h=8 m=0
